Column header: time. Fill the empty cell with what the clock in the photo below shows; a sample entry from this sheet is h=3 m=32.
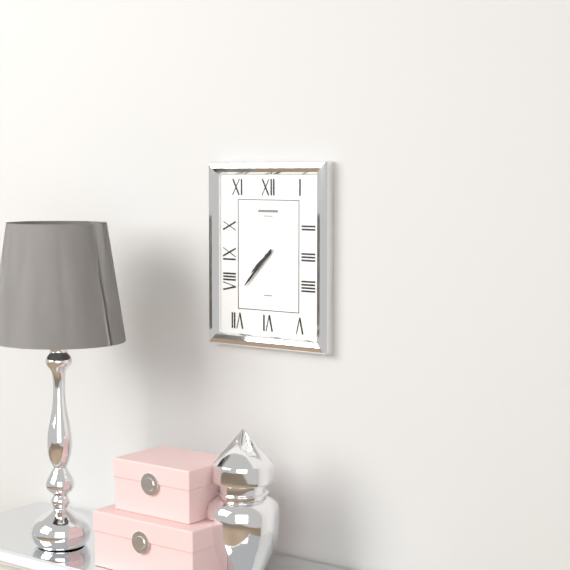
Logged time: h=7 m=37
